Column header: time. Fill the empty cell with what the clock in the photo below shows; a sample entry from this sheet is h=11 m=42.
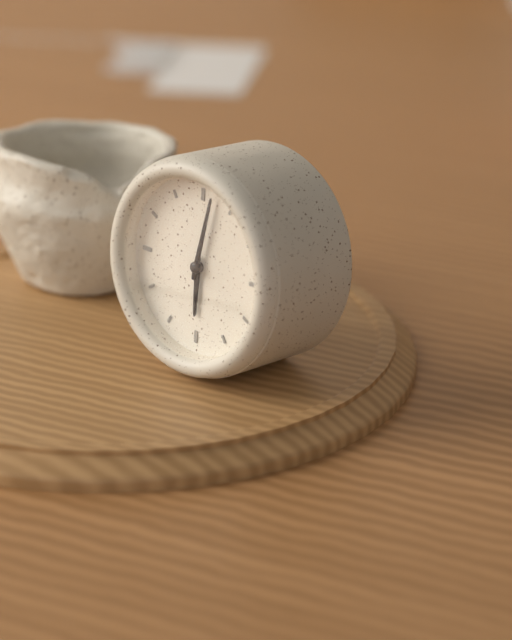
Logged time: h=6 m=2
